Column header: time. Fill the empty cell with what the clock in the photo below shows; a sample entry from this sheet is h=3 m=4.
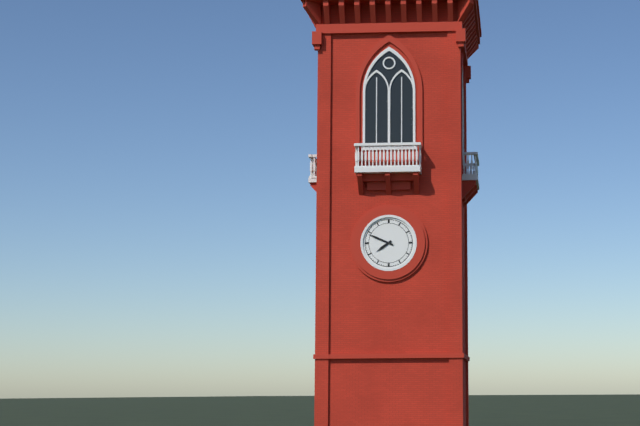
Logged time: h=7 m=49
